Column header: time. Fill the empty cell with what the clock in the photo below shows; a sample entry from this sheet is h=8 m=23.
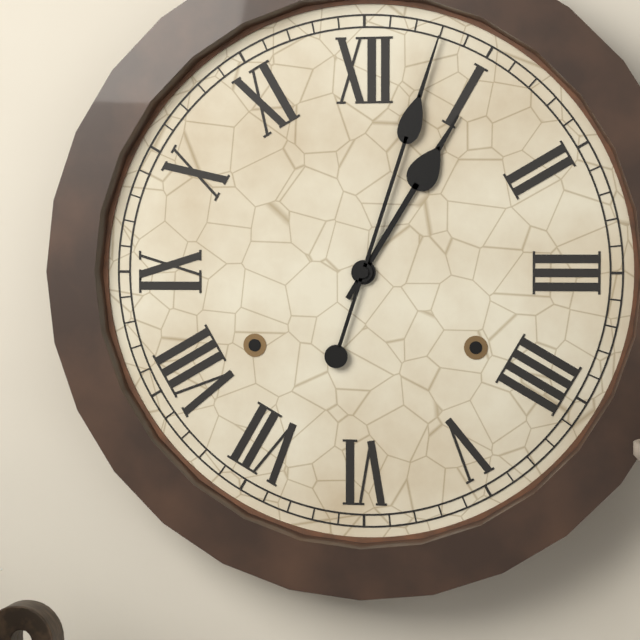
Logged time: h=1 m=3
